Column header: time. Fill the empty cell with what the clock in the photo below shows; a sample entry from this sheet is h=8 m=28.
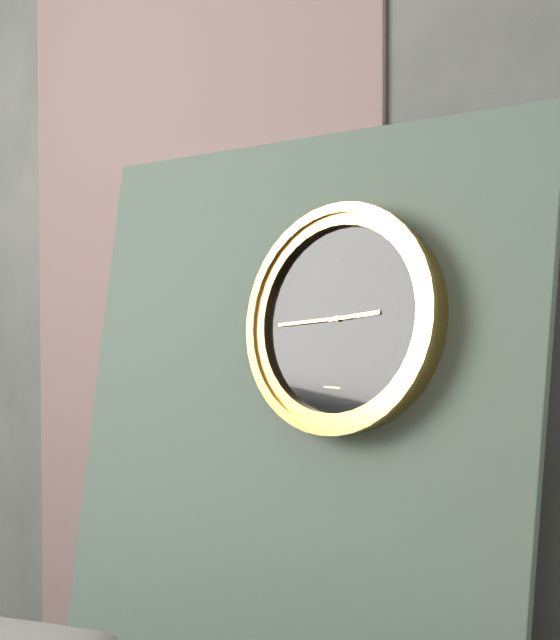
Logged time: h=2 m=44
